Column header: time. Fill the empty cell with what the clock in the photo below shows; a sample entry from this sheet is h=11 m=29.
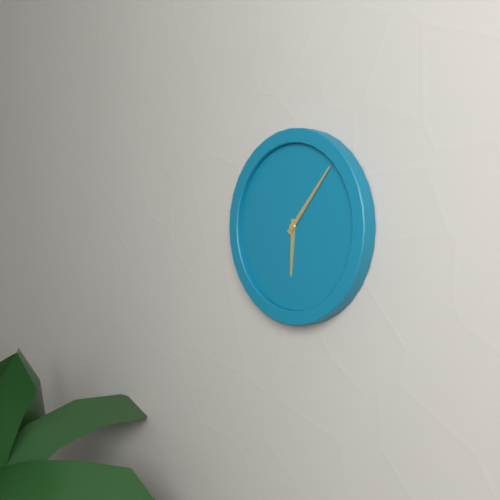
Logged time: h=6 m=7
